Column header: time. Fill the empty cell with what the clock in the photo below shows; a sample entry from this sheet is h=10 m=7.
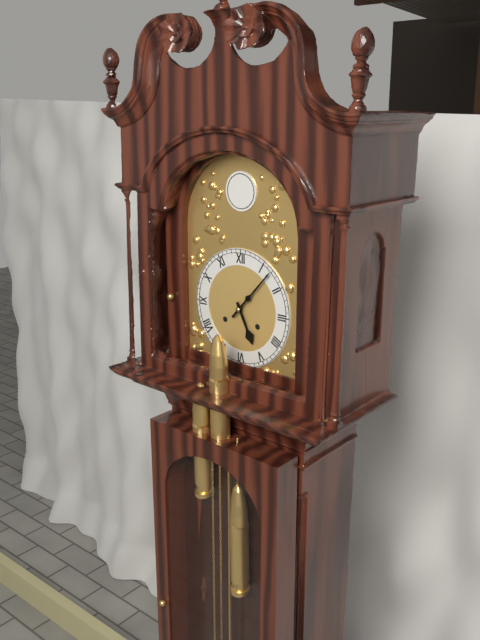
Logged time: h=5 m=7
